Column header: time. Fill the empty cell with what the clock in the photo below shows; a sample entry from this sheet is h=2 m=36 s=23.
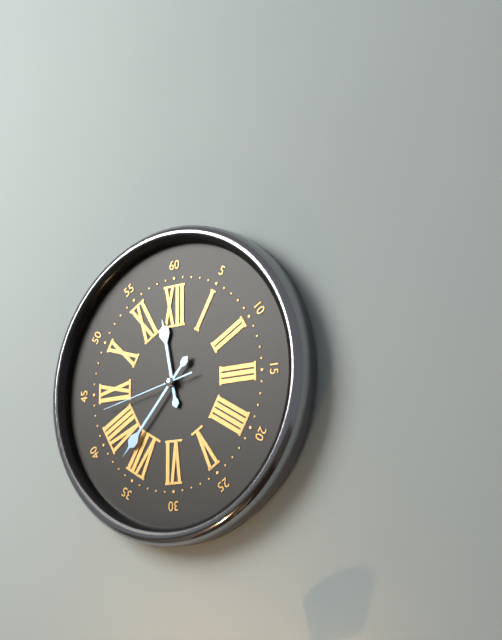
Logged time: h=11 m=37 s=43
